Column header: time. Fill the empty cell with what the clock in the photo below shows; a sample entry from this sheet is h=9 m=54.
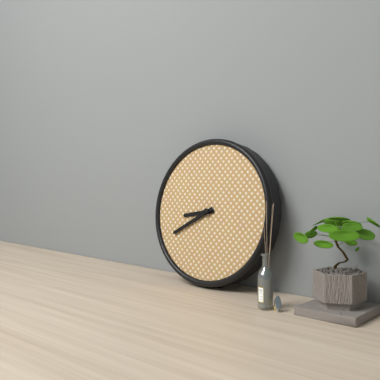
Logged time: h=8 m=40
